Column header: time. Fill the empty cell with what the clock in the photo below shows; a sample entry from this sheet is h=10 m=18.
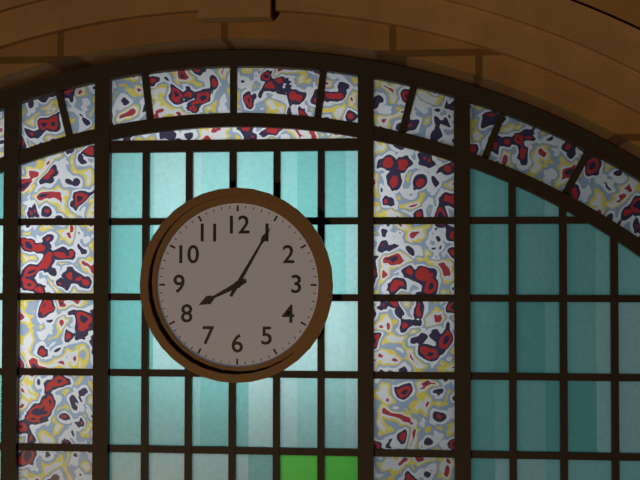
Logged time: h=8 m=5
